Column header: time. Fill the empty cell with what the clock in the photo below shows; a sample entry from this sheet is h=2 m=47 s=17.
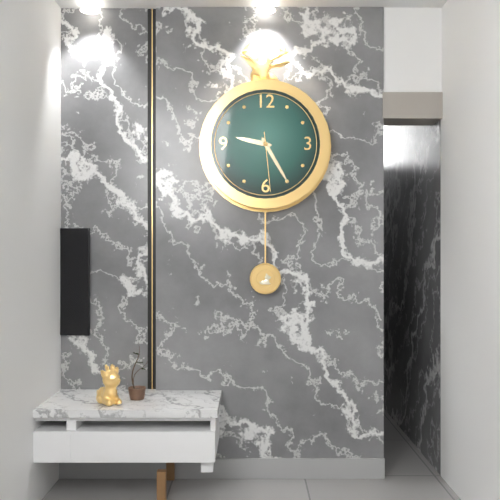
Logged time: h=9 m=25 s=29
